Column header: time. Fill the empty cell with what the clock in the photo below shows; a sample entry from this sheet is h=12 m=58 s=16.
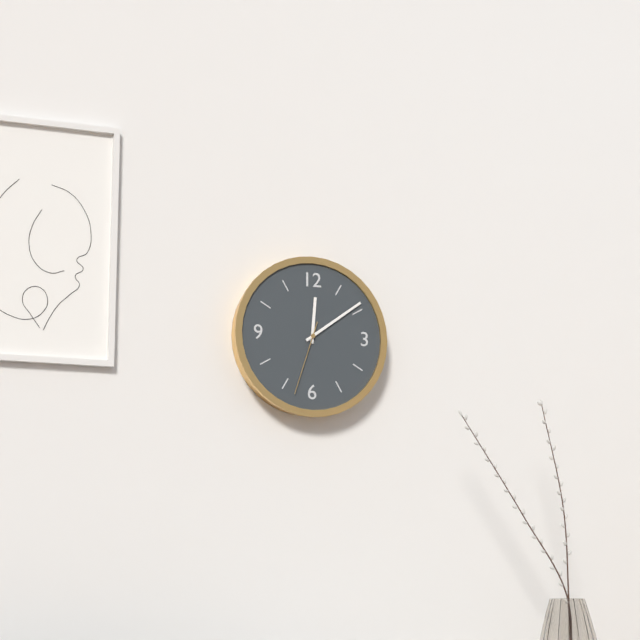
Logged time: h=12 m=9 s=33
